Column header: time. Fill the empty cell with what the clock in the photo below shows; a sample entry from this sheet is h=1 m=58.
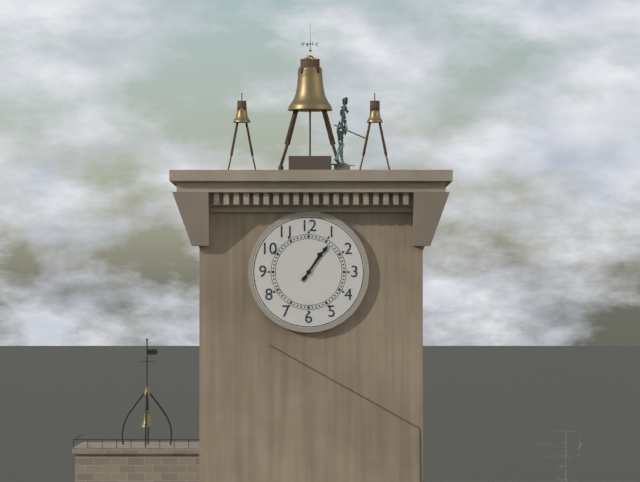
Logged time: h=1 m=6
